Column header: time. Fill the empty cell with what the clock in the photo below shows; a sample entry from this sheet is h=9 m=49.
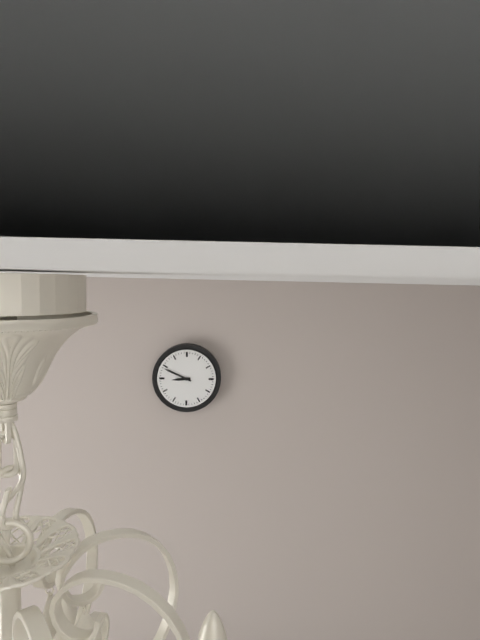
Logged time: h=8 m=49
